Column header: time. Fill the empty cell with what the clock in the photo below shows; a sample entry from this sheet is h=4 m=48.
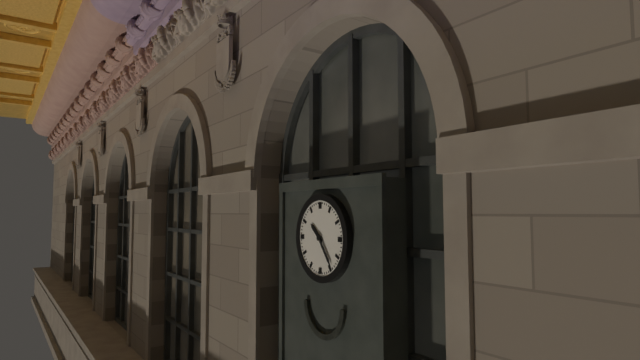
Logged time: h=10 m=24
